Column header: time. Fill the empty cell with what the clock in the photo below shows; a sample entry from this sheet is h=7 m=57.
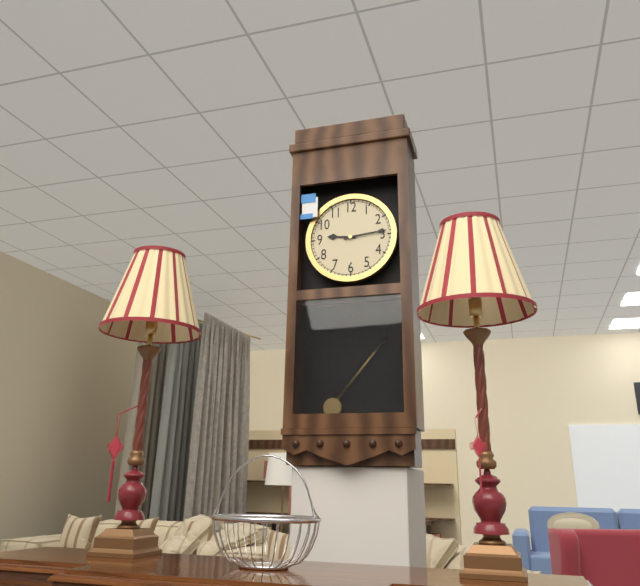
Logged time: h=9 m=14
